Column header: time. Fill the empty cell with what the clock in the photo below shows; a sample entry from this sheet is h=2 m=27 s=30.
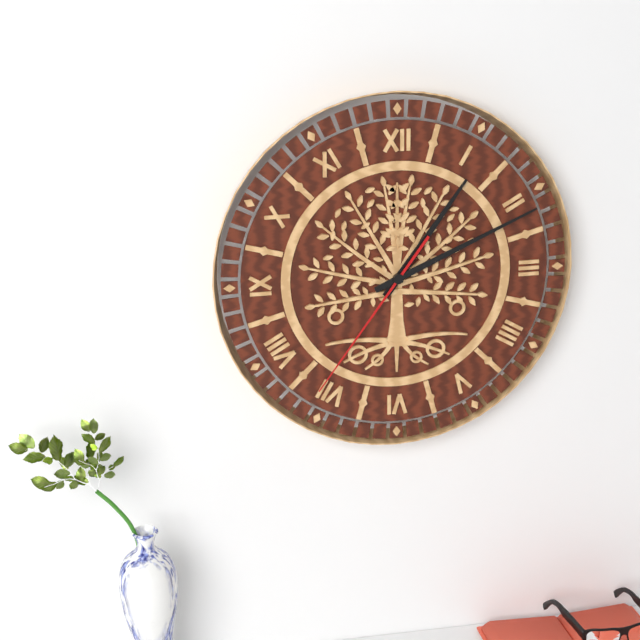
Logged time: h=1 m=11 s=36
